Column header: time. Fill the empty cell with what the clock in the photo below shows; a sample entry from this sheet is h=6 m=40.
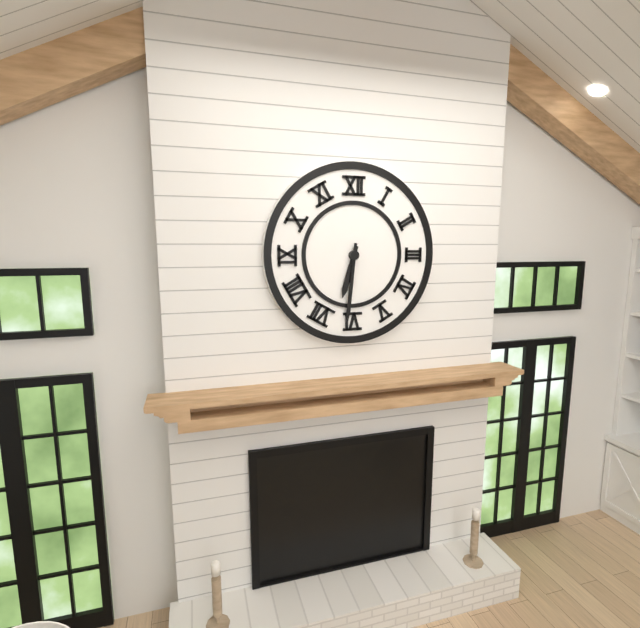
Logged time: h=6 m=31
